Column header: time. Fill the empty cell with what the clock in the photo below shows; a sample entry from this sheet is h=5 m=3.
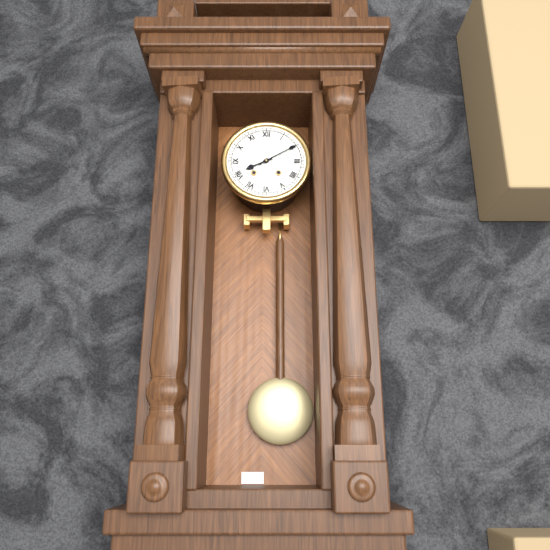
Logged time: h=8 m=10
